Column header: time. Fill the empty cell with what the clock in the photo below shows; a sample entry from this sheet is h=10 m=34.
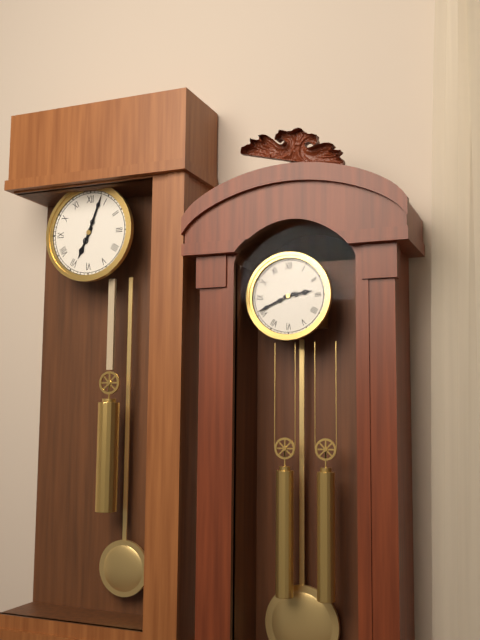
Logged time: h=2 m=41
